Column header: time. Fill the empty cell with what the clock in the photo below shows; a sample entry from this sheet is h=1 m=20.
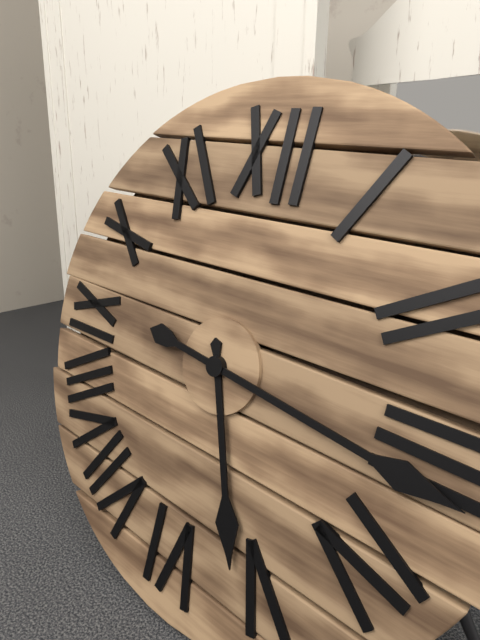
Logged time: h=5 m=16
